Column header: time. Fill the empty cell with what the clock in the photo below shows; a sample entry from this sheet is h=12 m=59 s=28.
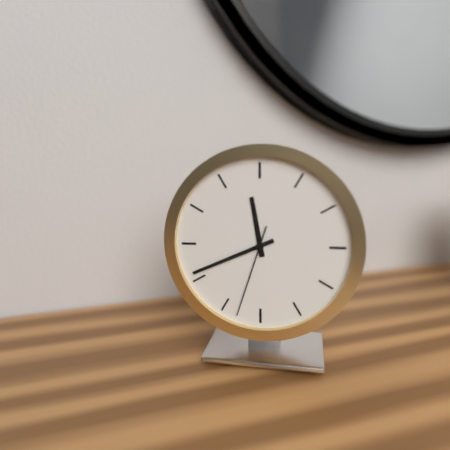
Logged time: h=11 m=41 s=33
